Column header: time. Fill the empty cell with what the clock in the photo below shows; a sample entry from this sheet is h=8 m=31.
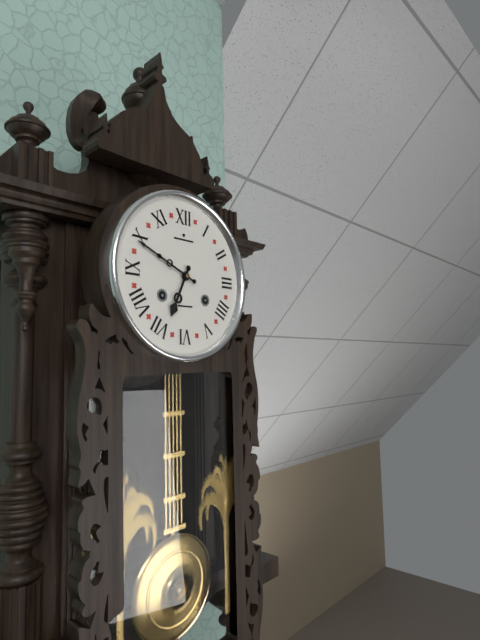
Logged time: h=6 m=49
